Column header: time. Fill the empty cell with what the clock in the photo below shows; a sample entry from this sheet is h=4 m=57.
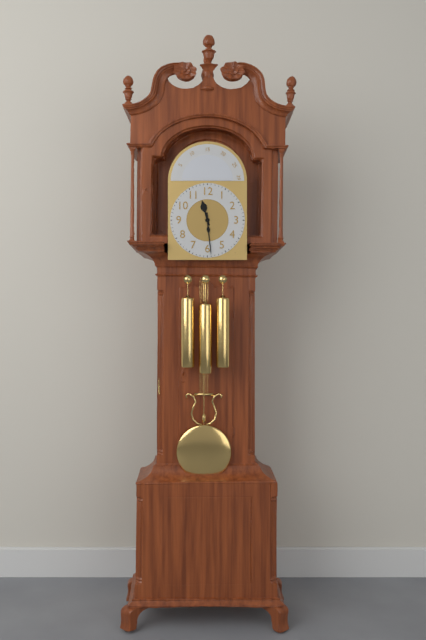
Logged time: h=11 m=29
